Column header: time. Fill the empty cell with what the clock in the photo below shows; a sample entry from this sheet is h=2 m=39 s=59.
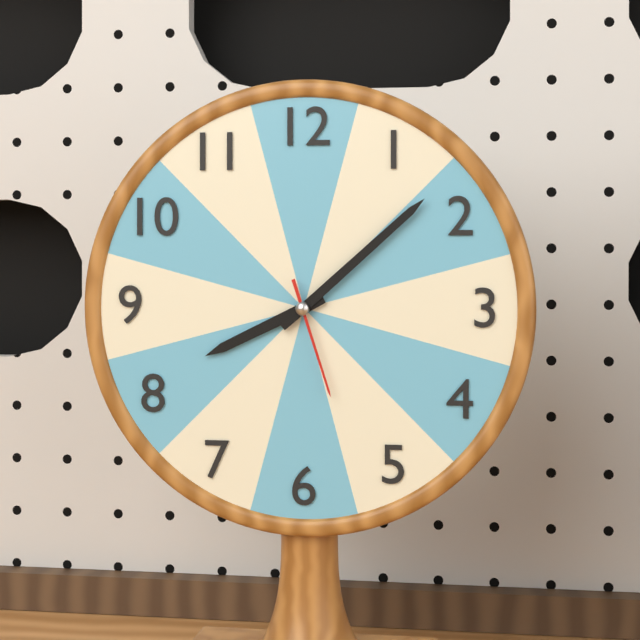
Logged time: h=8 m=8 s=27
